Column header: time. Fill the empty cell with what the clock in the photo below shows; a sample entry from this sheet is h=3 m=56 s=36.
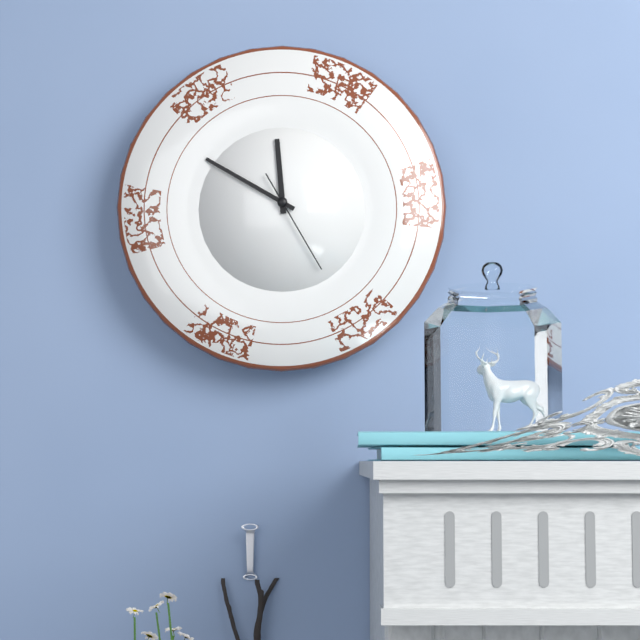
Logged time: h=11 m=50 s=25
